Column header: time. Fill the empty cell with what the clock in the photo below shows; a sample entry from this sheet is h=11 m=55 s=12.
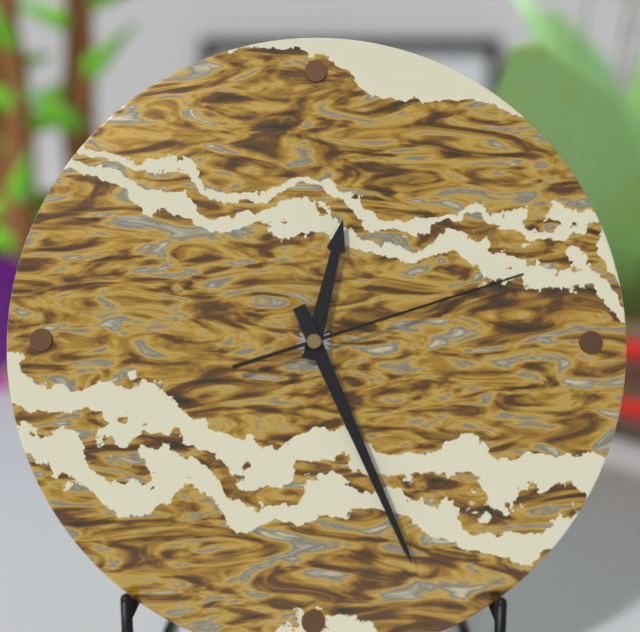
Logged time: h=12 m=26 s=12
